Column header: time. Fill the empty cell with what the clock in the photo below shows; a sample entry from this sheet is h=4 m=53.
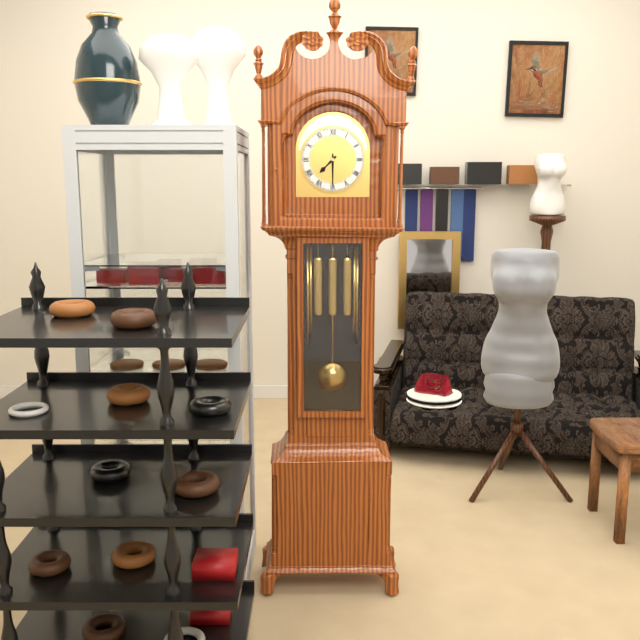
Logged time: h=7 m=30
